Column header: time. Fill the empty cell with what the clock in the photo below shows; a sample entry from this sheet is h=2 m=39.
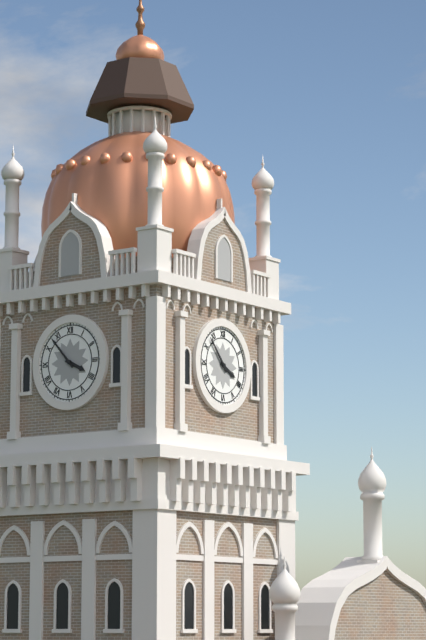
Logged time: h=3 m=53
